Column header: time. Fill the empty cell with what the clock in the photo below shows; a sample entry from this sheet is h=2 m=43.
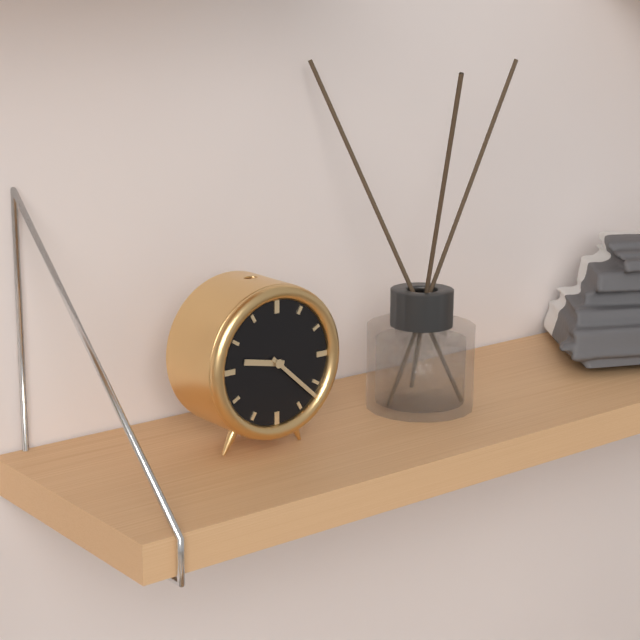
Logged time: h=9 m=22
